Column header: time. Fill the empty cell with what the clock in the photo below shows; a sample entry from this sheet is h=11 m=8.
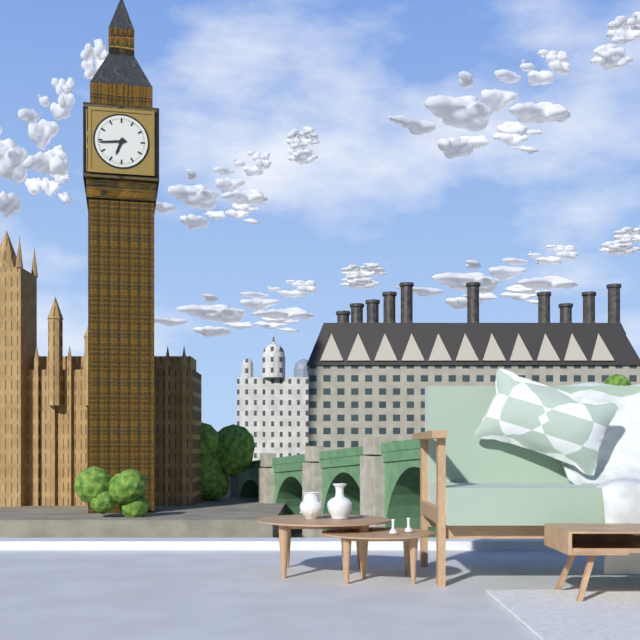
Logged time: h=6 m=44
